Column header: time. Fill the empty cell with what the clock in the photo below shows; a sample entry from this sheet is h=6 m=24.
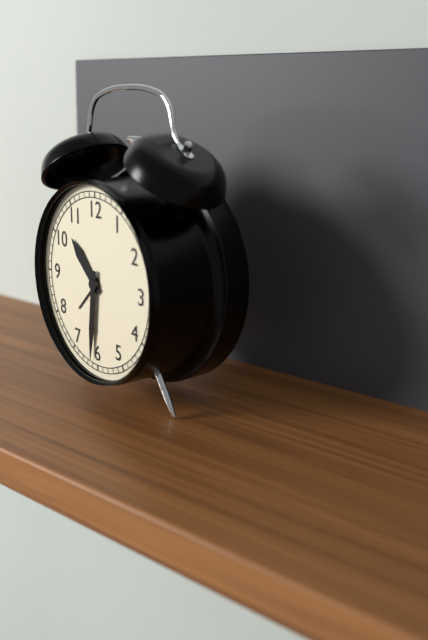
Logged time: h=10 m=31
